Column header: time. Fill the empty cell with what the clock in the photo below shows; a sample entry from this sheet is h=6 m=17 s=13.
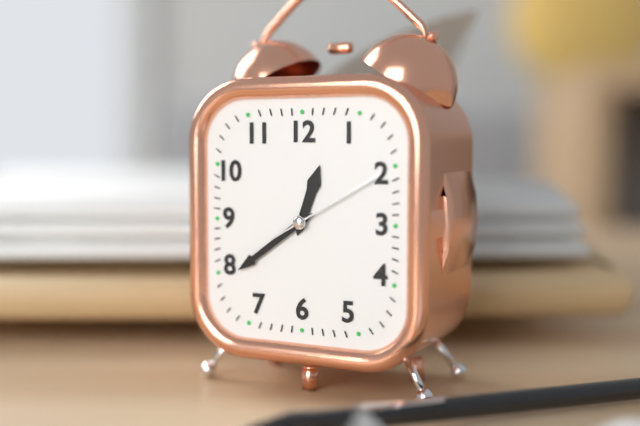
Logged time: h=12 m=39 s=10
